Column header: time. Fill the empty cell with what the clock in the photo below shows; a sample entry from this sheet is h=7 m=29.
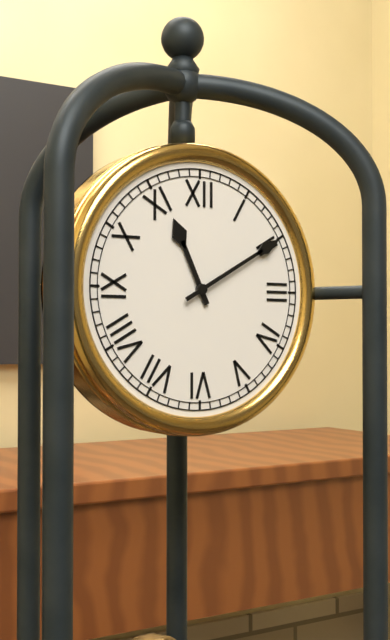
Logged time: h=11 m=10
